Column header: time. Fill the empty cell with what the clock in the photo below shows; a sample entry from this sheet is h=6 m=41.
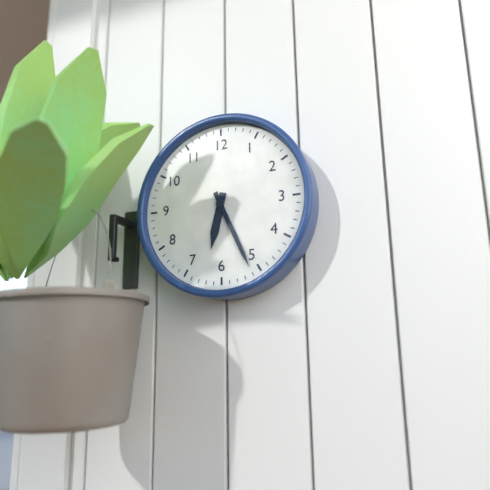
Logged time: h=6 m=26
